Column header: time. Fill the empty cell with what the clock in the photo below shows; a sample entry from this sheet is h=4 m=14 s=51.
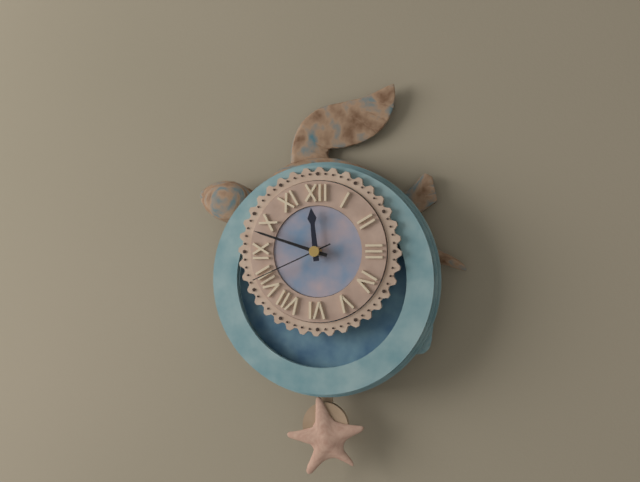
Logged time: h=11 m=48 s=41
